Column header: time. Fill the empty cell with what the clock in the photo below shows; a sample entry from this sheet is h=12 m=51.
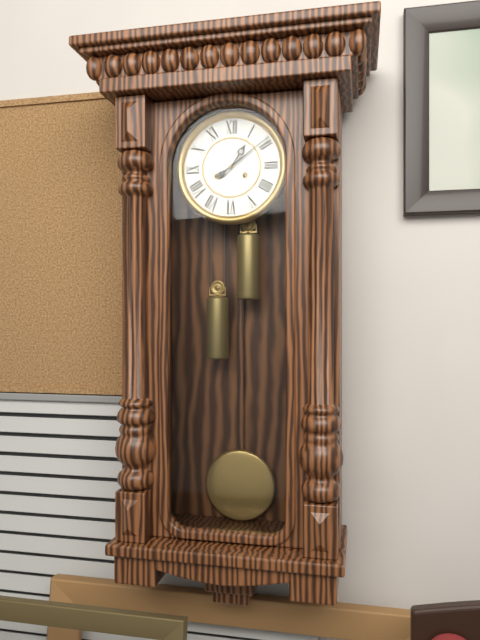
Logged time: h=1 m=9
